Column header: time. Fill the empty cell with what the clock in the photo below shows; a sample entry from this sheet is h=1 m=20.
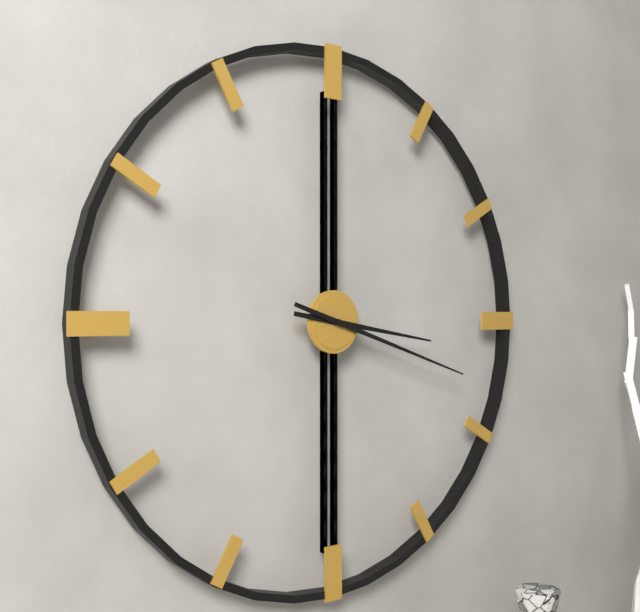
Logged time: h=3 m=18
